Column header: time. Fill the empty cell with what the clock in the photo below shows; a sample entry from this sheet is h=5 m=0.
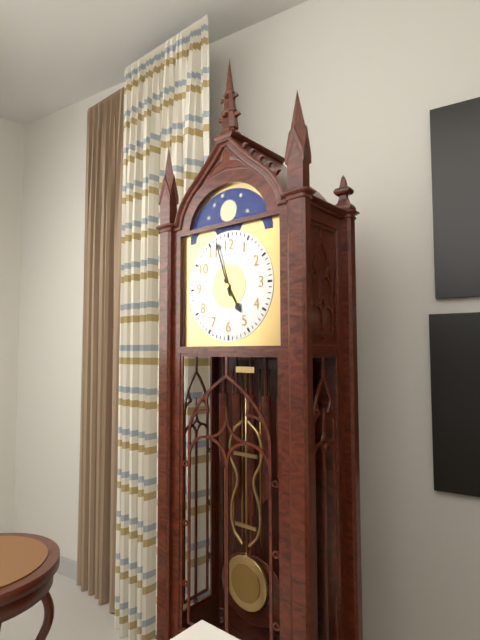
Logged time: h=4 m=57
